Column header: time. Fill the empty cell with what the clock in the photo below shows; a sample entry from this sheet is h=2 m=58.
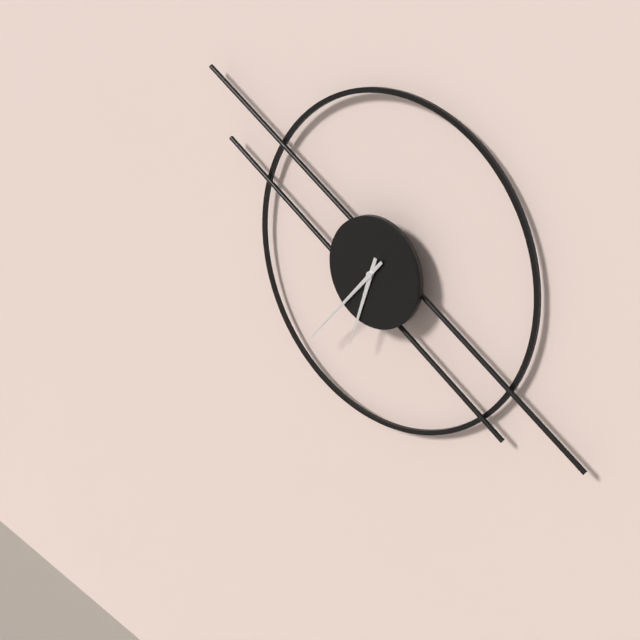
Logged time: h=6 m=37
